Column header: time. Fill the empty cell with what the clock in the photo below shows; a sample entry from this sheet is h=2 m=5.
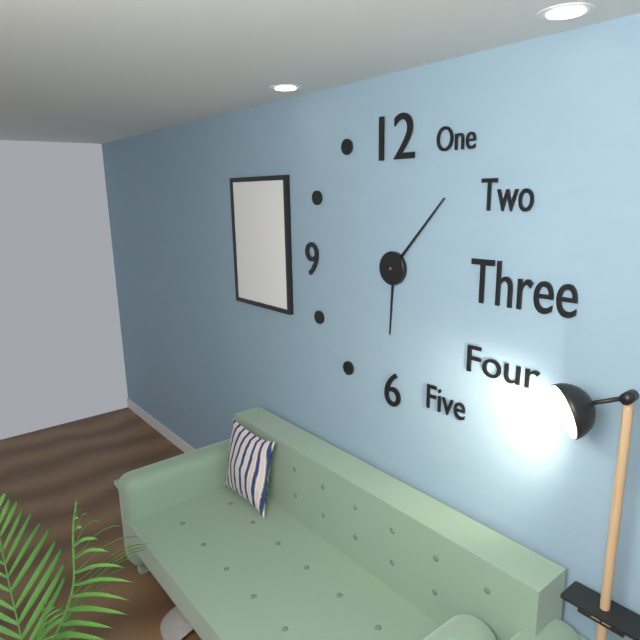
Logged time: h=6 m=7
